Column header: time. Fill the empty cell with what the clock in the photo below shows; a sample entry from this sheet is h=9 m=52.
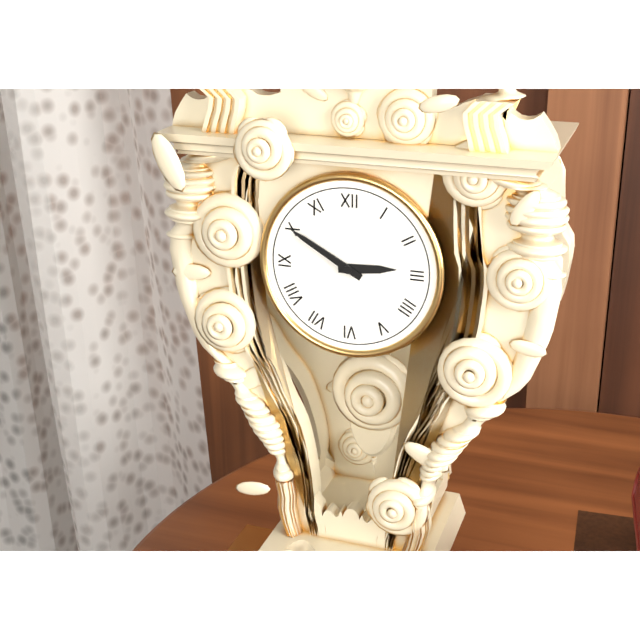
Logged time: h=2 m=50
